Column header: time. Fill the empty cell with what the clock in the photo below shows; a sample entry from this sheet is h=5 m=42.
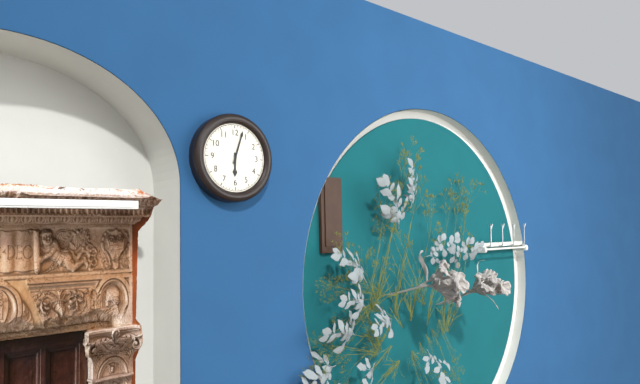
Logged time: h=6 m=3
